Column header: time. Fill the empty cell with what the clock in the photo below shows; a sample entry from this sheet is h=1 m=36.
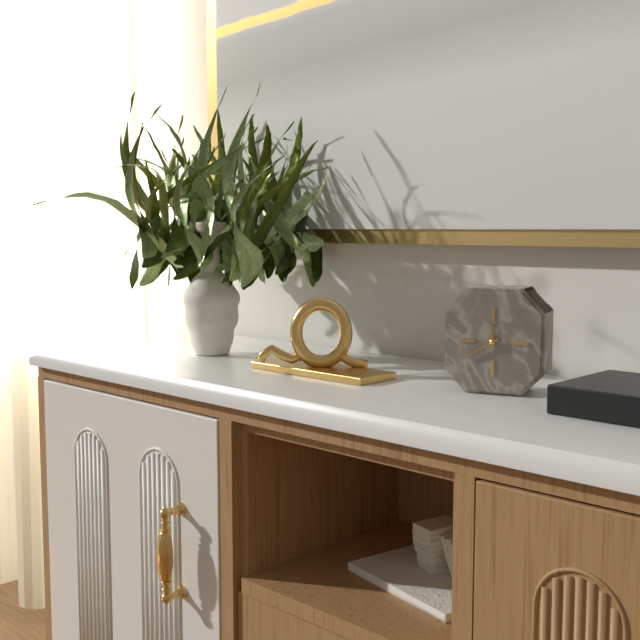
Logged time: h=11 m=40
